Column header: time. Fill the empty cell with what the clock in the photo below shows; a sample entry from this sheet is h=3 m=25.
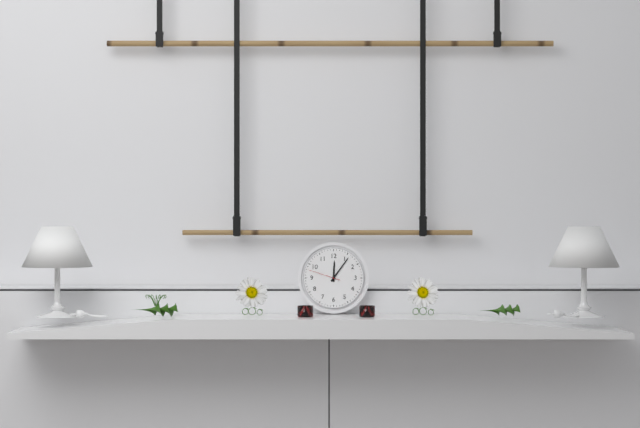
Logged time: h=12 m=6
